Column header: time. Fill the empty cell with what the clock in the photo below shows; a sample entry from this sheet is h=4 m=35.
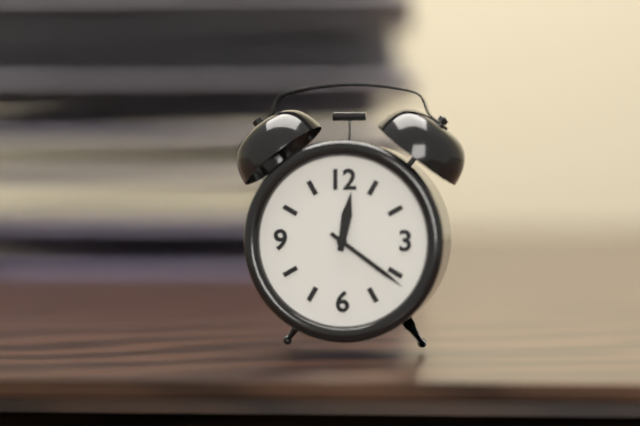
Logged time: h=12 m=21
